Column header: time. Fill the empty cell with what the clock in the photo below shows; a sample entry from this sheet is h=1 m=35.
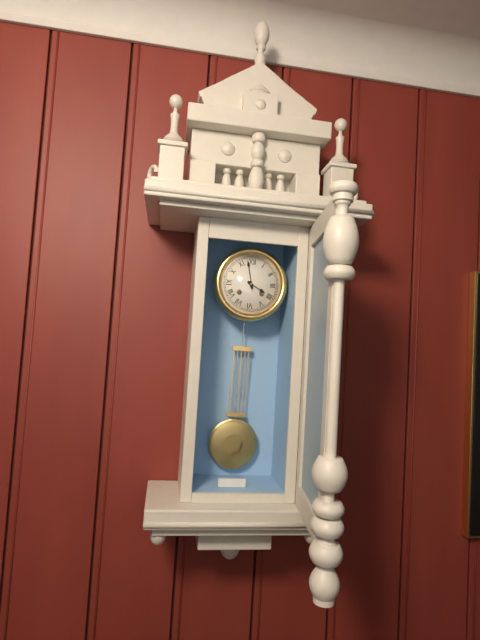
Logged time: h=3 m=58
